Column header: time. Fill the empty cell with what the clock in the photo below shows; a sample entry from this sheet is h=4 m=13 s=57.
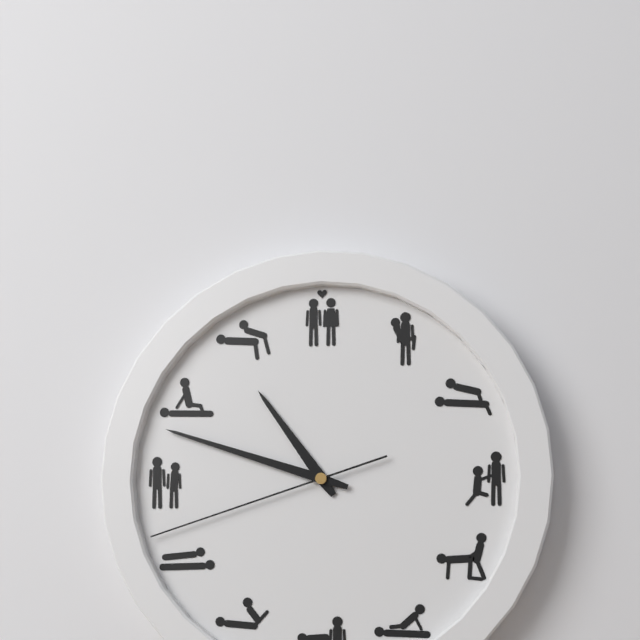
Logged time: h=10 m=48 s=42
